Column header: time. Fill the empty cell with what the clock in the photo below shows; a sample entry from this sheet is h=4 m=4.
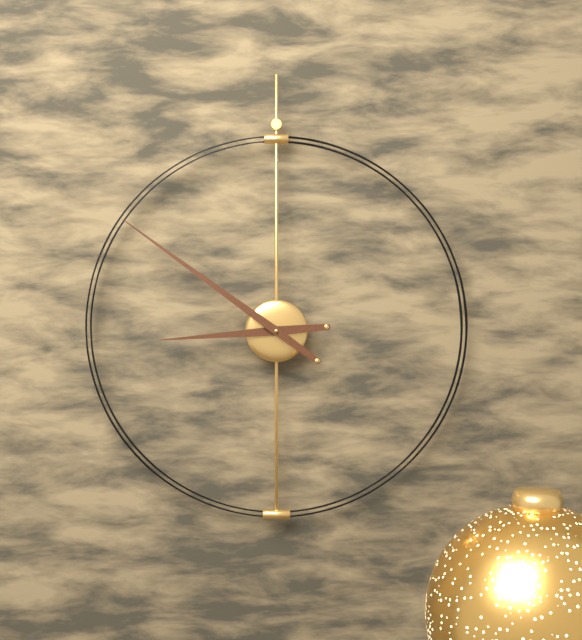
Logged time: h=8 m=51
